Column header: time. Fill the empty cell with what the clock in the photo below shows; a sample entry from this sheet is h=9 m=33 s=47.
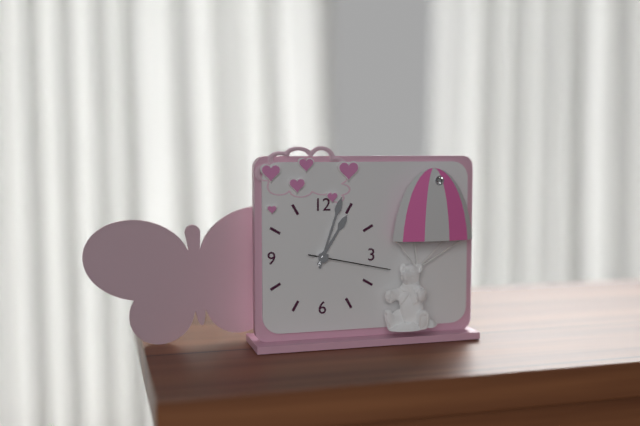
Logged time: h=1 m=3 s=17
